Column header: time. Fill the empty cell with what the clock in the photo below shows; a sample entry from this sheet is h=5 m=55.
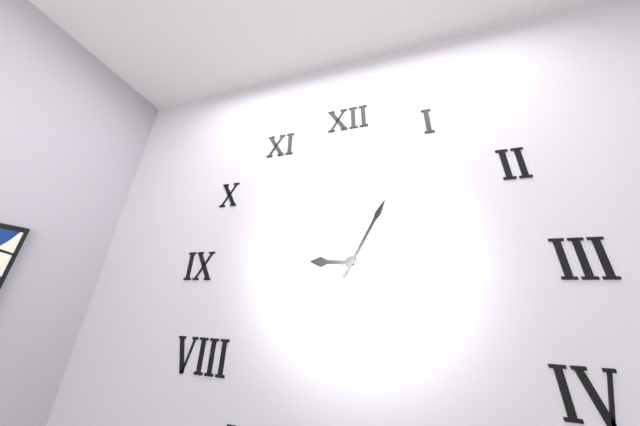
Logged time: h=9 m=5
